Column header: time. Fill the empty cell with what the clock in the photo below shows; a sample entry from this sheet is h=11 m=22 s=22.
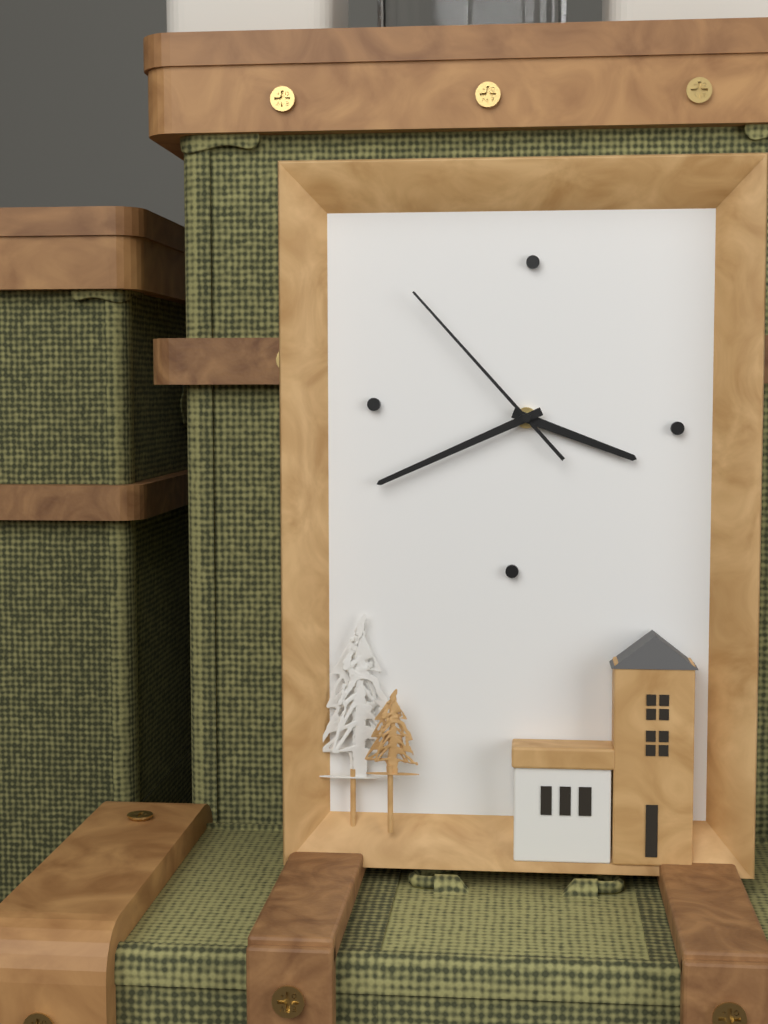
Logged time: h=3 m=41 s=53
